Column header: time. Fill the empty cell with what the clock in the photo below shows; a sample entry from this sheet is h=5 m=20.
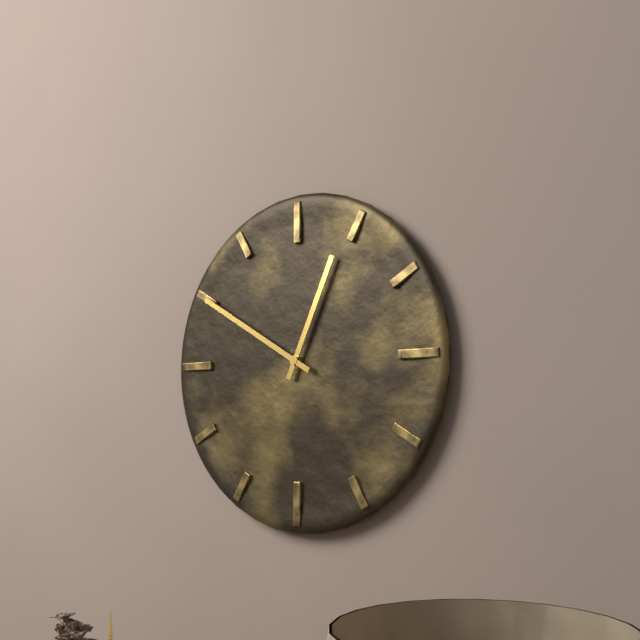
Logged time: h=12 m=50
